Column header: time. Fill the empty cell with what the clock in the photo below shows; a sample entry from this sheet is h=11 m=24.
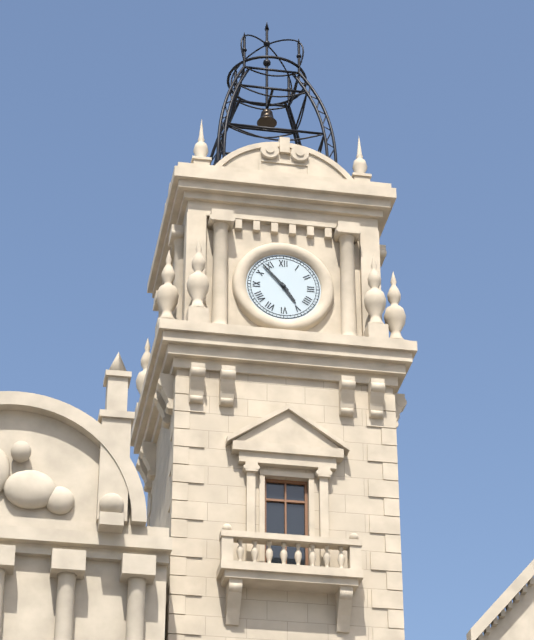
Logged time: h=4 m=53
